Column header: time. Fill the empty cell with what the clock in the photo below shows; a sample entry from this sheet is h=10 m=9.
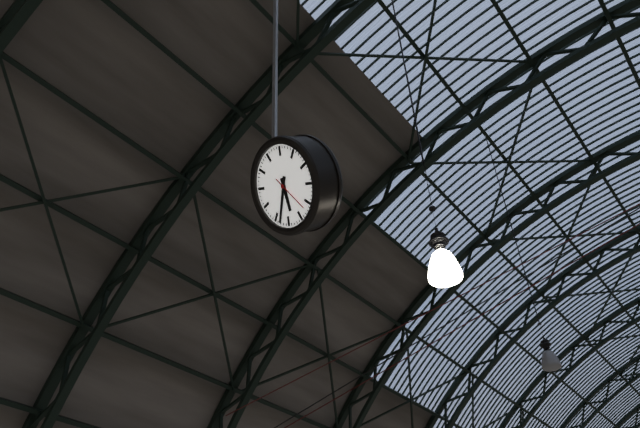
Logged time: h=6 m=38
